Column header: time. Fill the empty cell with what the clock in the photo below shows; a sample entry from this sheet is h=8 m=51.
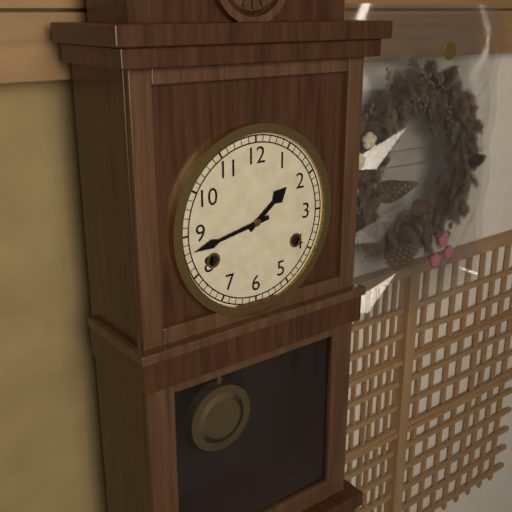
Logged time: h=1 m=43
